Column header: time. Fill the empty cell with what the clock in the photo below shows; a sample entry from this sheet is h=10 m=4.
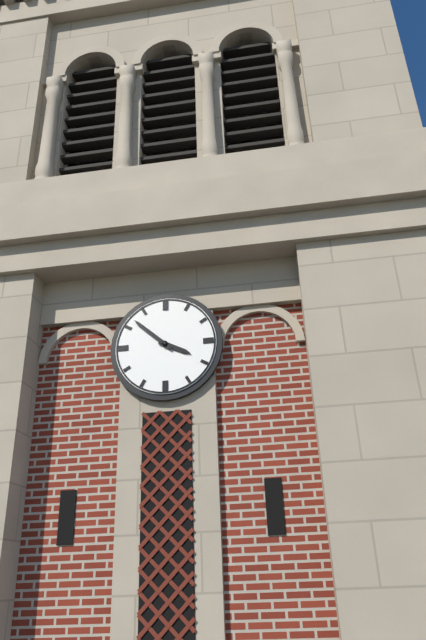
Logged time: h=3 m=52
